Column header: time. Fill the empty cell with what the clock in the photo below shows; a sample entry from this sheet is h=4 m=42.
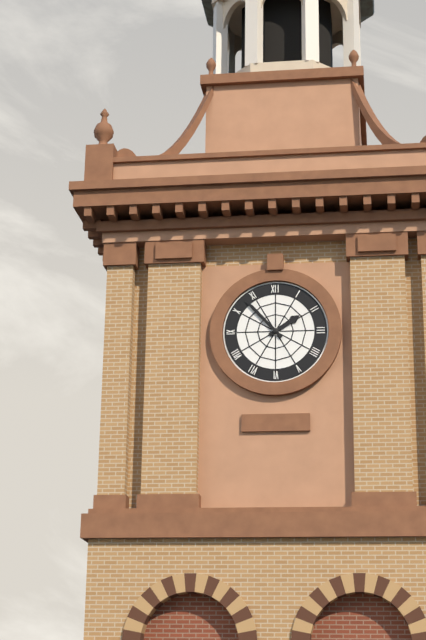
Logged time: h=1 m=53
